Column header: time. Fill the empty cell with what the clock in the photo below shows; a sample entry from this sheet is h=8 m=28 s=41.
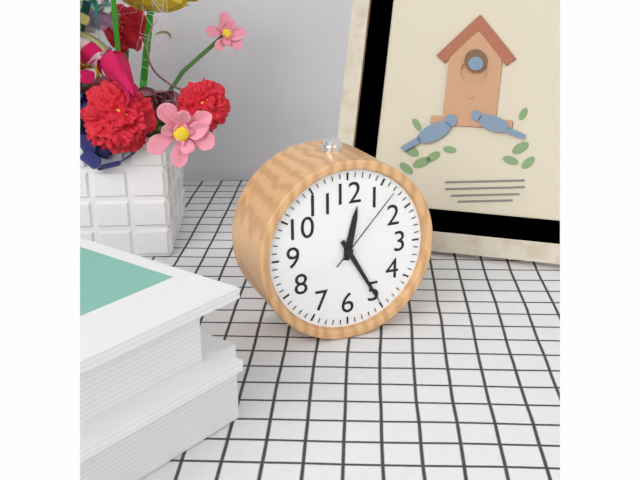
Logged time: h=12 m=25 s=7
